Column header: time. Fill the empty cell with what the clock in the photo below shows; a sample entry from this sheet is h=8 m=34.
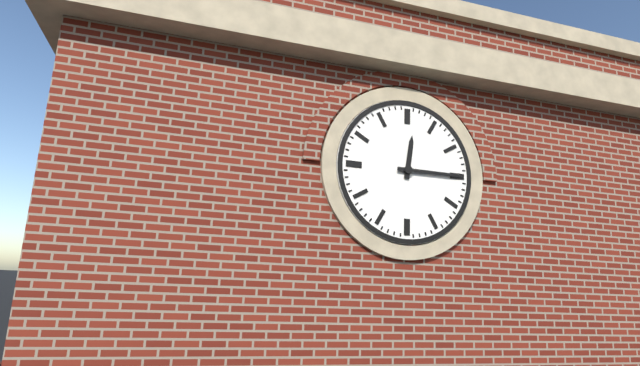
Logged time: h=12 m=15
